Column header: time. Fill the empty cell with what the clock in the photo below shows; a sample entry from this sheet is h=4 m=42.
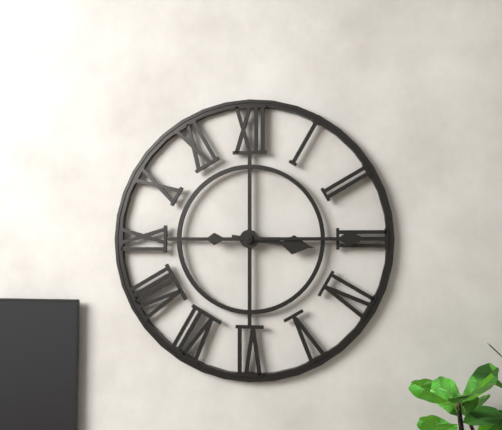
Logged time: h=3 m=15
